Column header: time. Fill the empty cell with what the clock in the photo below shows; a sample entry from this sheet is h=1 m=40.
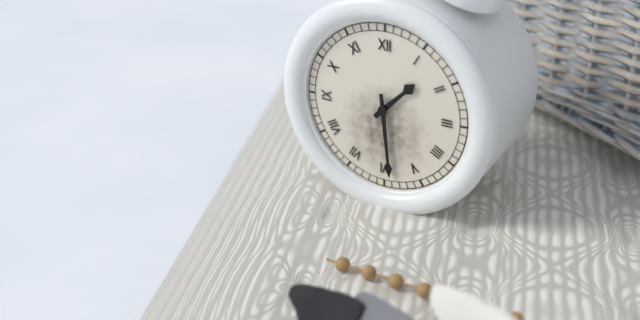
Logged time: h=1 m=29
